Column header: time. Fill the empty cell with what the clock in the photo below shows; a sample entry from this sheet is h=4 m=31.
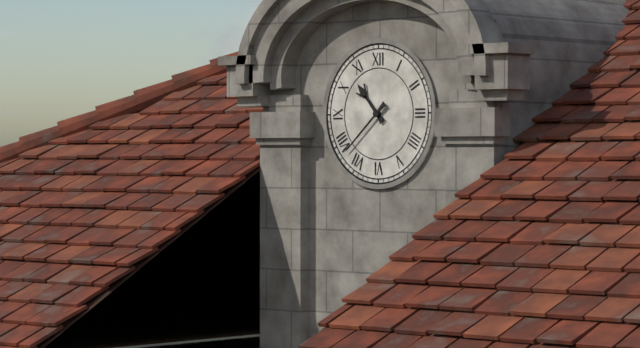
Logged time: h=10 m=38
